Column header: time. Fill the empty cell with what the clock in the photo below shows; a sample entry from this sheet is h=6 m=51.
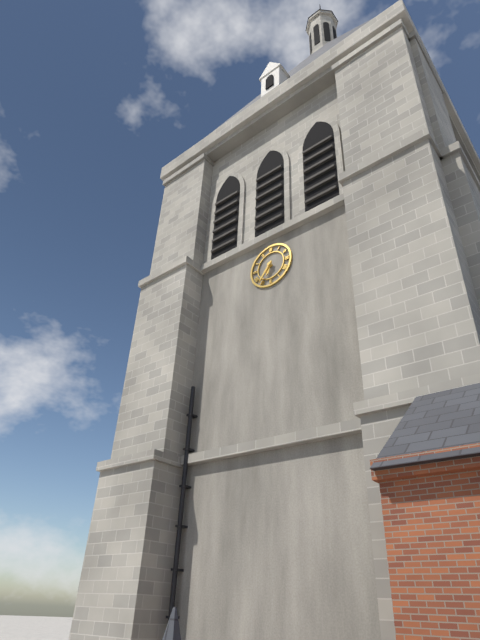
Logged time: h=6 m=36
